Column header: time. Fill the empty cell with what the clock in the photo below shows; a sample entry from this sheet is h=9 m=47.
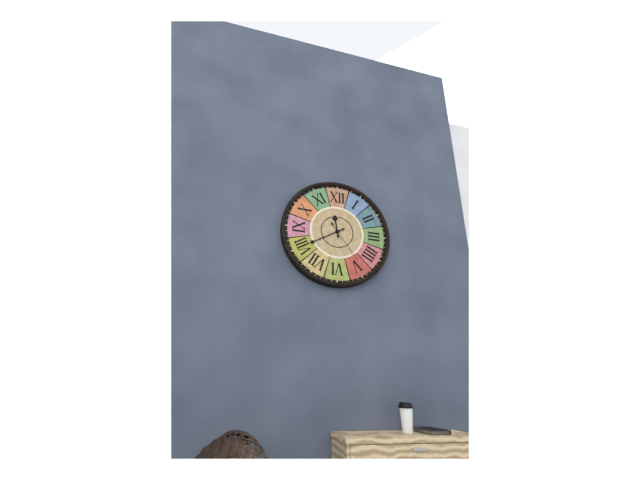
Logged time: h=11 m=40
